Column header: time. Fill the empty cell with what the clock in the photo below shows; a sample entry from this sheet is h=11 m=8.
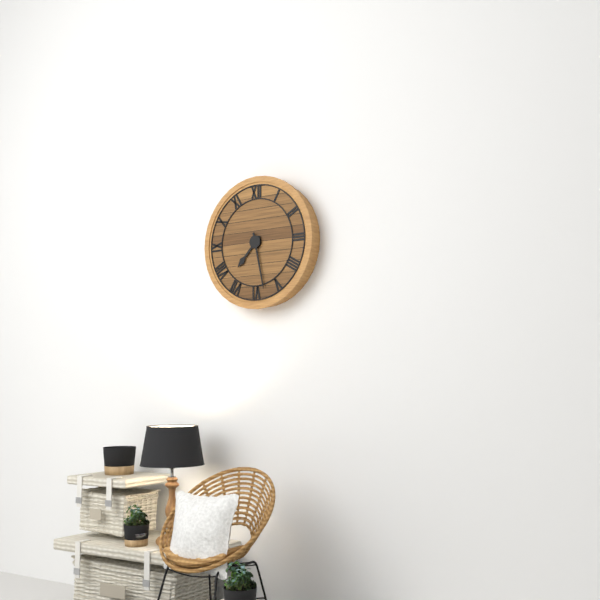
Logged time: h=7 m=28
